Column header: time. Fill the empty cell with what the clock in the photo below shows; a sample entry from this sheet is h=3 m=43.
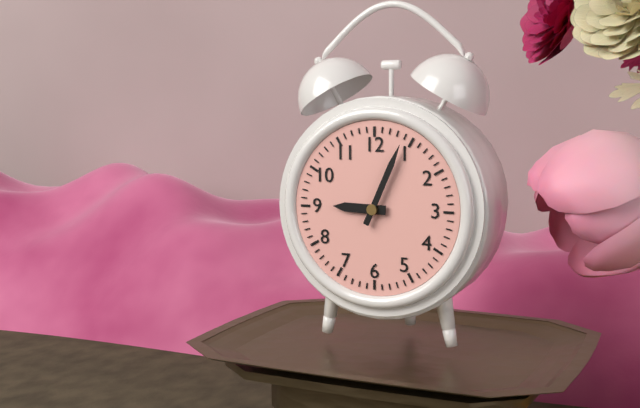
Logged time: h=9 m=4
